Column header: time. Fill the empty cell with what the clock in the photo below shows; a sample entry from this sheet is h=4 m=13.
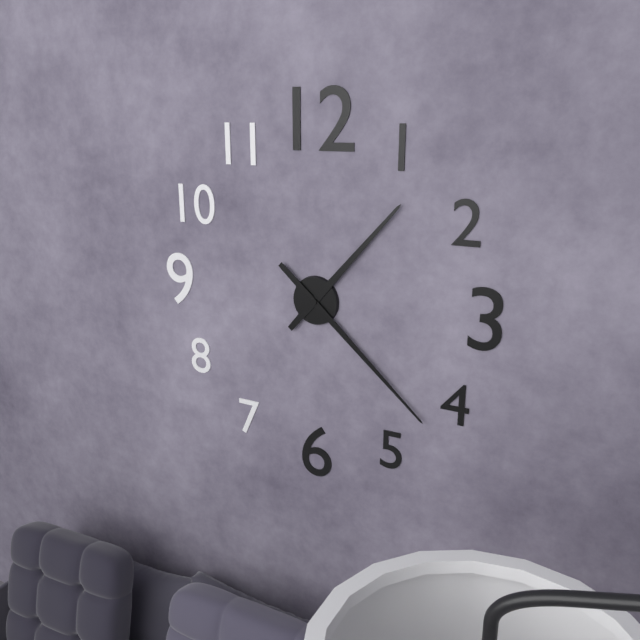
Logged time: h=1 m=22
